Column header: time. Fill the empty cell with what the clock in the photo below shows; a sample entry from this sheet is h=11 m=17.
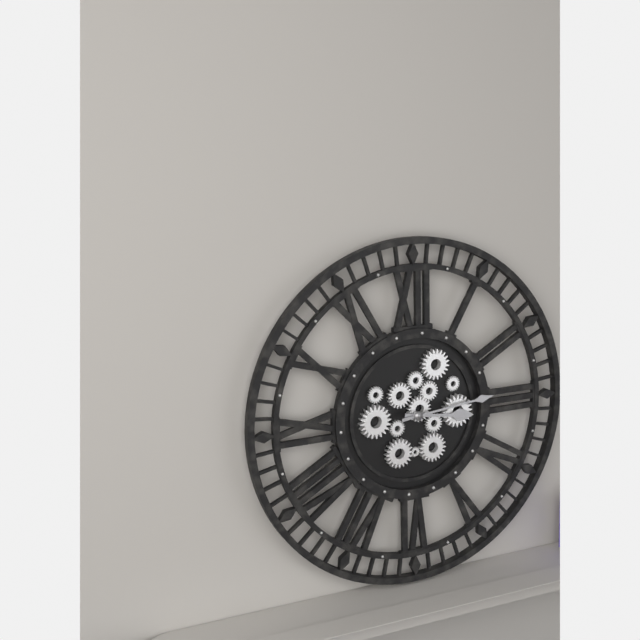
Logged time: h=3 m=14
